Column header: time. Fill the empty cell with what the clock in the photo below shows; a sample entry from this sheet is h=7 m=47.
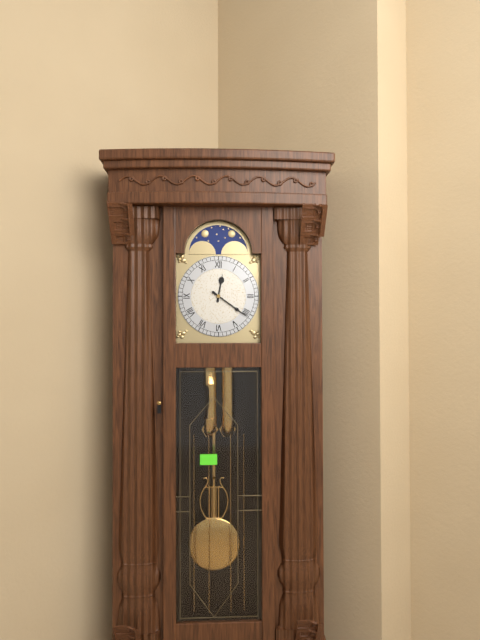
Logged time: h=12 m=21
